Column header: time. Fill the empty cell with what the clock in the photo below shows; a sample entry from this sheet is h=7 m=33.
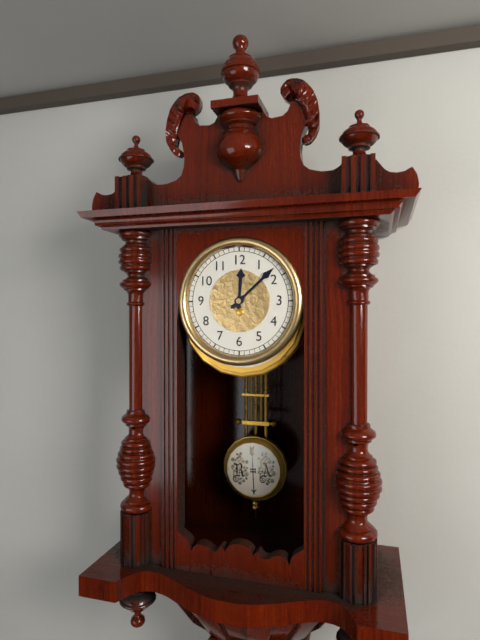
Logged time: h=12 m=8
